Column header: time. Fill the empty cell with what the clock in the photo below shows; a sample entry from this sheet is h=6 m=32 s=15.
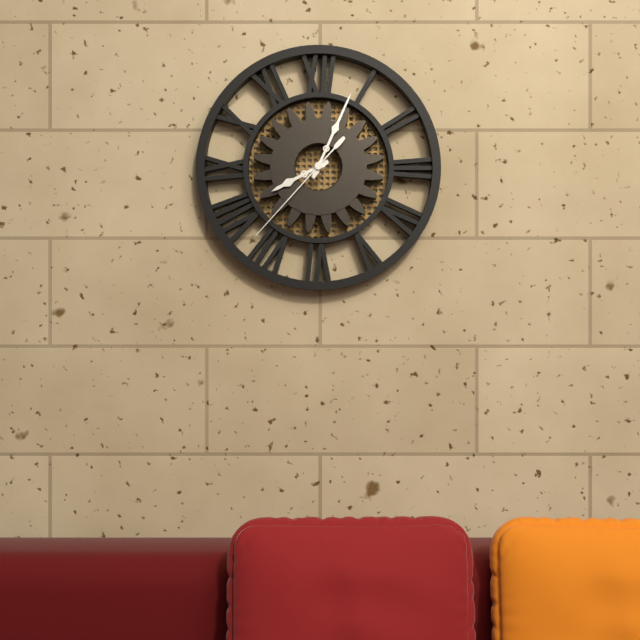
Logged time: h=8 m=4 s=37
